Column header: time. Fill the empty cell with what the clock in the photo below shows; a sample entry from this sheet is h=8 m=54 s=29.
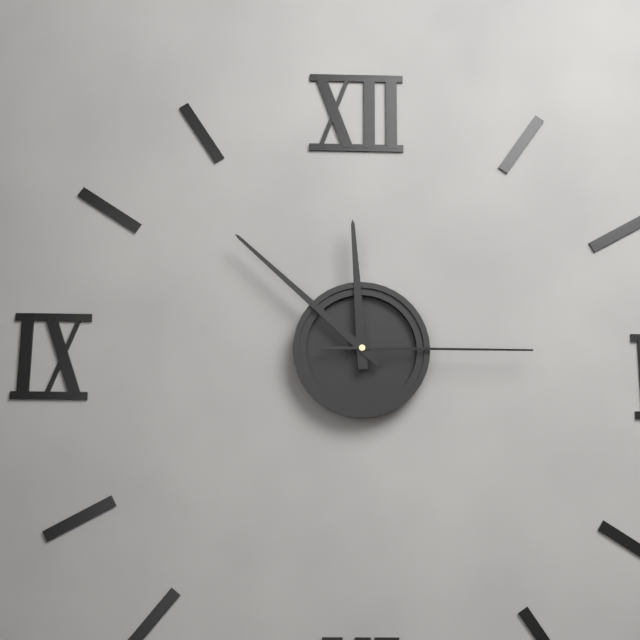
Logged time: h=11 m=52 s=15
